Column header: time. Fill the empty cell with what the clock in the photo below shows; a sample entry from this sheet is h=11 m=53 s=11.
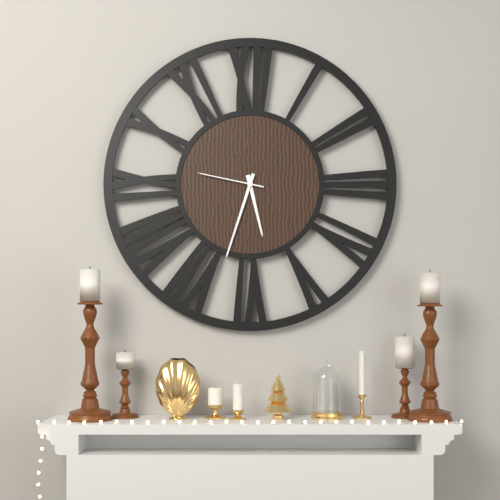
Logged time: h=5 m=33 s=47
